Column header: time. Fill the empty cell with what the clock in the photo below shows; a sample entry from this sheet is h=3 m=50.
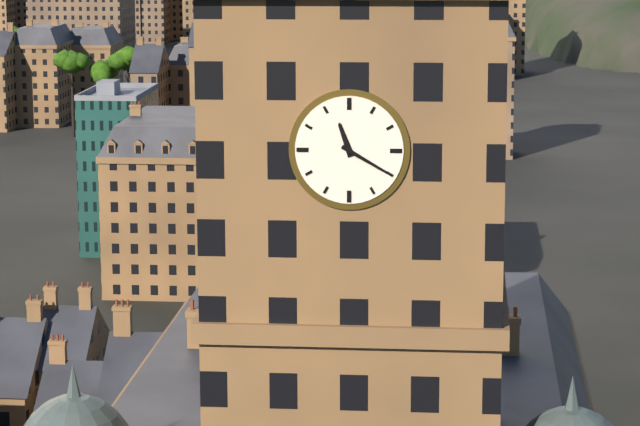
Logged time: h=11 m=20
